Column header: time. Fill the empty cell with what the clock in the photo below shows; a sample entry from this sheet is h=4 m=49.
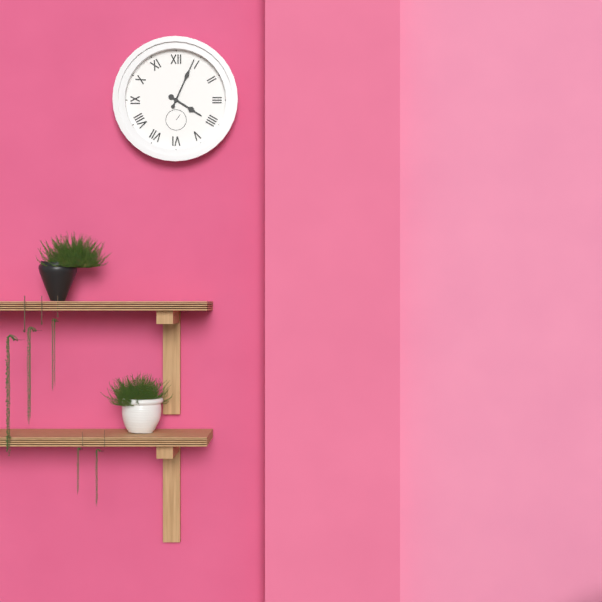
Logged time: h=4 m=4
